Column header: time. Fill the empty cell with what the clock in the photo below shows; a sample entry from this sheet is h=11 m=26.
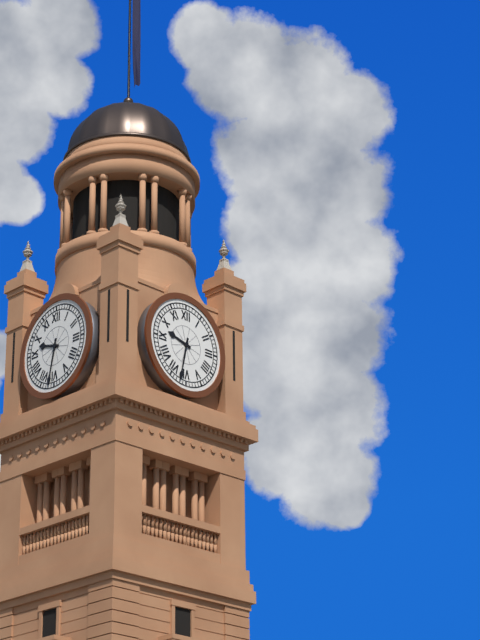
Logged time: h=9 m=32
